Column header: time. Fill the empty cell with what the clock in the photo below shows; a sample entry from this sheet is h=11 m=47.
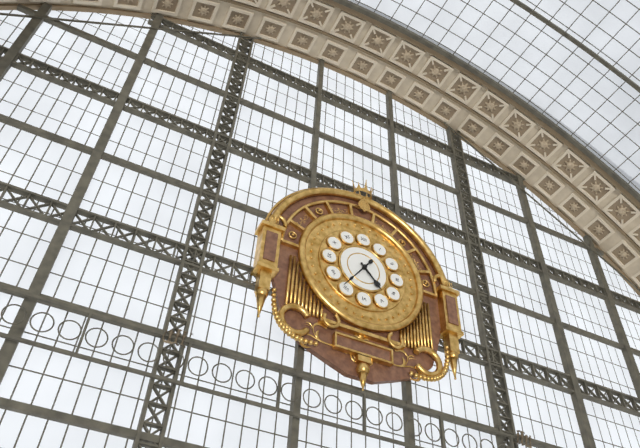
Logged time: h=4 m=36
